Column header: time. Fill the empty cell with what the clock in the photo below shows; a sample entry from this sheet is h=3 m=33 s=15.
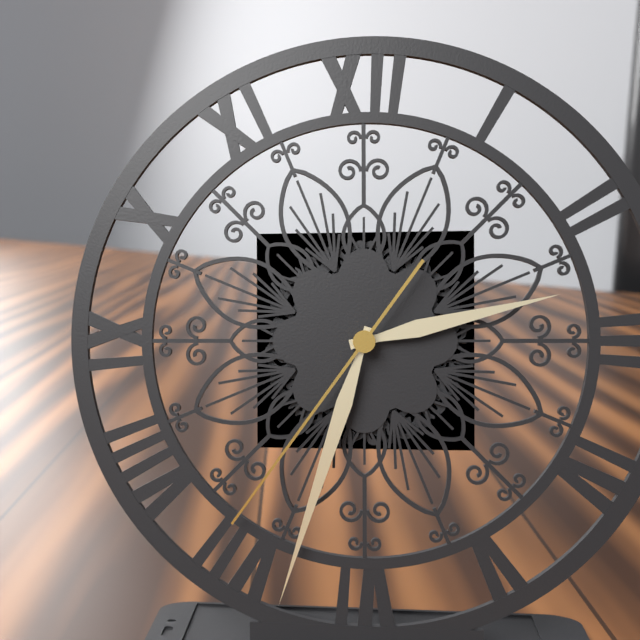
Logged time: h=2 m=33 s=36
